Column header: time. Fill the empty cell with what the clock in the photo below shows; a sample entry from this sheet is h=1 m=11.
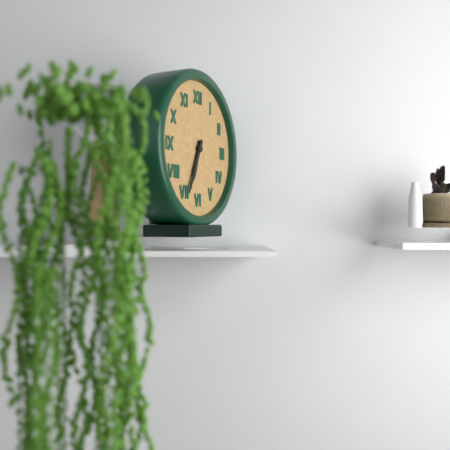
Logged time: h=6 m=34
